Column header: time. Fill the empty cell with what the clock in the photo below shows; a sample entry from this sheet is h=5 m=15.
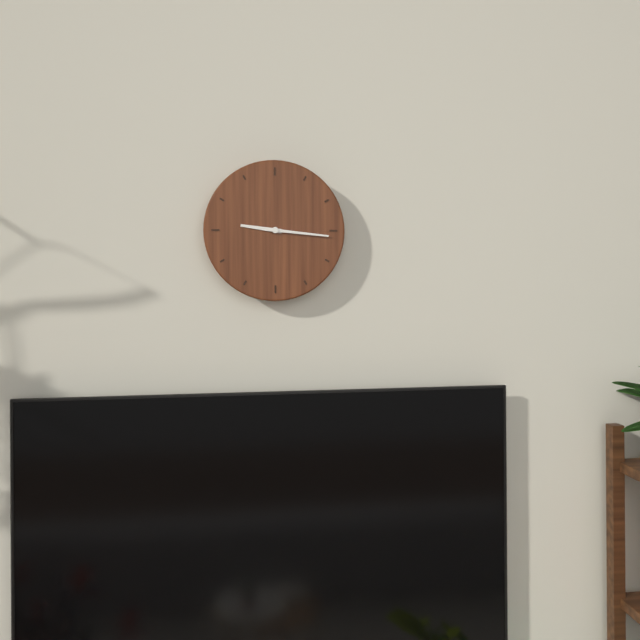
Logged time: h=9 m=16
